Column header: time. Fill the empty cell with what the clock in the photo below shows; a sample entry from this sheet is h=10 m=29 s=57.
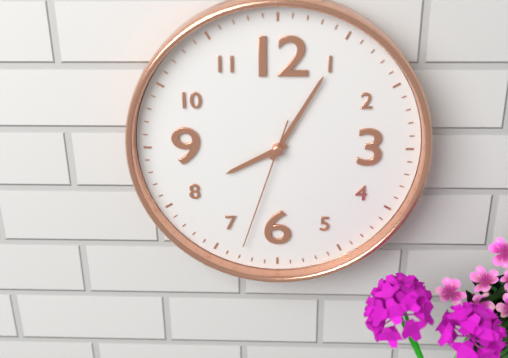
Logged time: h=8 m=5 s=33
